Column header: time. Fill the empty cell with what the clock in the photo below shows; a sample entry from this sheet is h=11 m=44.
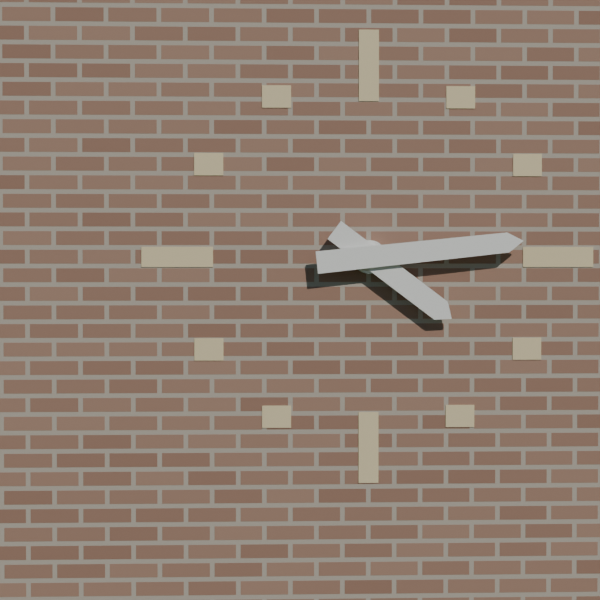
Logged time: h=4 m=14
